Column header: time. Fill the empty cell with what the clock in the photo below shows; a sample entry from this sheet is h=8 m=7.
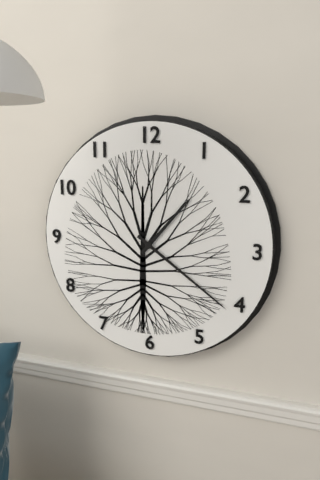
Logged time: h=1 m=21
